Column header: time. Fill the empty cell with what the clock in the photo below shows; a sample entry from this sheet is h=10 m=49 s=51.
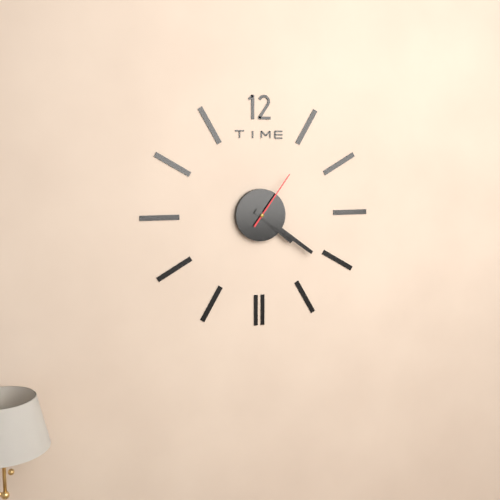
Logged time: h=4 m=21 s=6
